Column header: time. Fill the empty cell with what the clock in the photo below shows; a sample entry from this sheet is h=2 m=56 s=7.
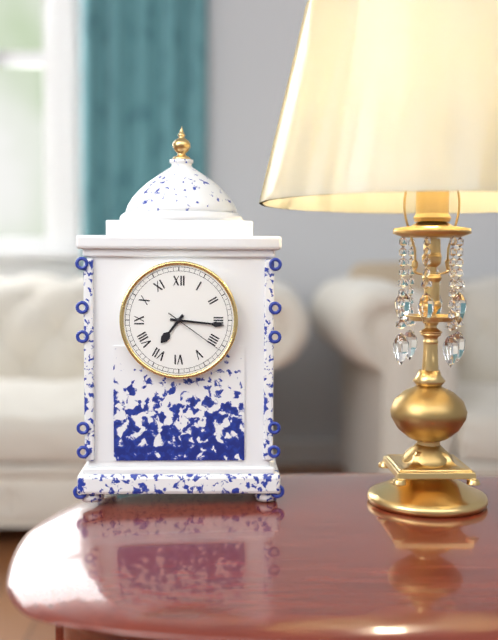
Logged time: h=7 m=16 s=21
